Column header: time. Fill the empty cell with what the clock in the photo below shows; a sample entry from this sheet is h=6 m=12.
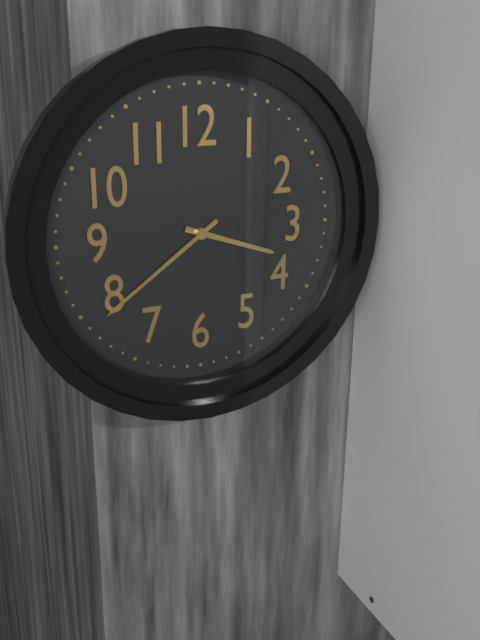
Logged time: h=3 m=39
